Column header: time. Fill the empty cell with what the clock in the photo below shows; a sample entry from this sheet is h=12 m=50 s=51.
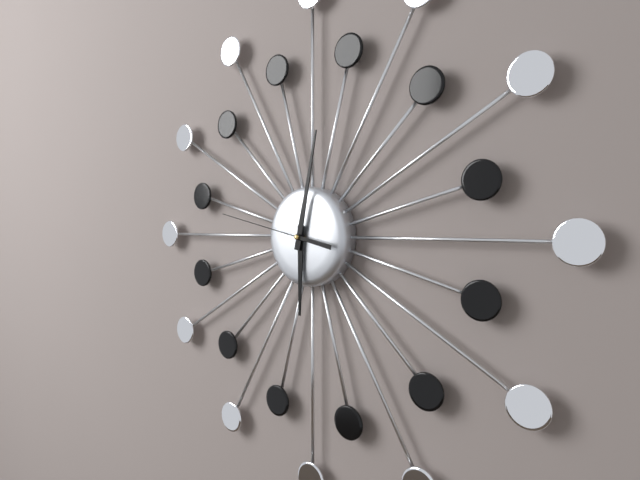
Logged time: h=6 m=2 s=47
